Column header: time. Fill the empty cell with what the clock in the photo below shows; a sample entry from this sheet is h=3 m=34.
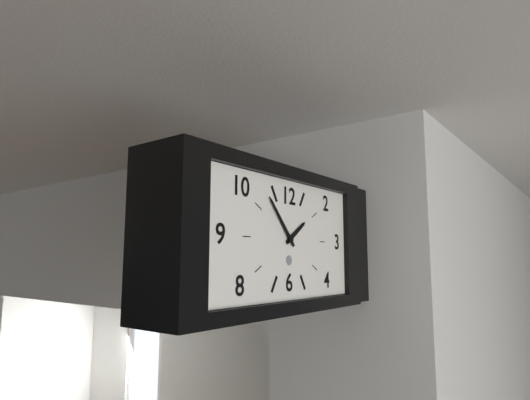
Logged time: h=1 m=53
